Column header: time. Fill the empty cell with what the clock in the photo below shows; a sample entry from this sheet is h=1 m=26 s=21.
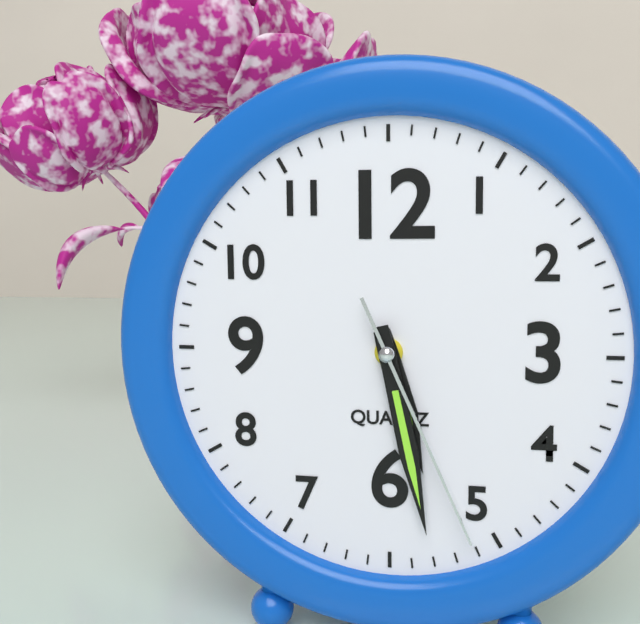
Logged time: h=5 m=28 s=26
